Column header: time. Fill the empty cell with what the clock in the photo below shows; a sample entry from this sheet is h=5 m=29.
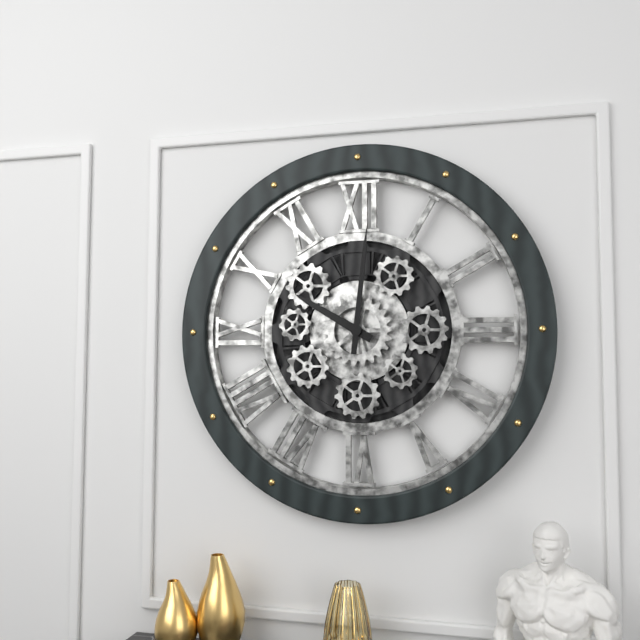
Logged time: h=10 m=1
